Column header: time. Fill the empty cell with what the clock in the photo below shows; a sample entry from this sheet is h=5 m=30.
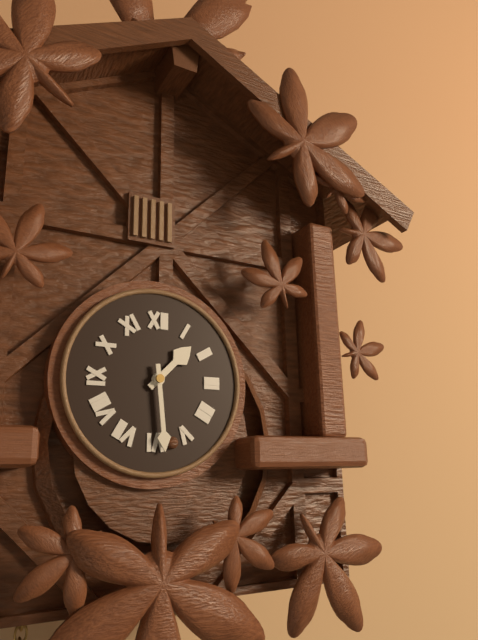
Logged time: h=1 m=29
